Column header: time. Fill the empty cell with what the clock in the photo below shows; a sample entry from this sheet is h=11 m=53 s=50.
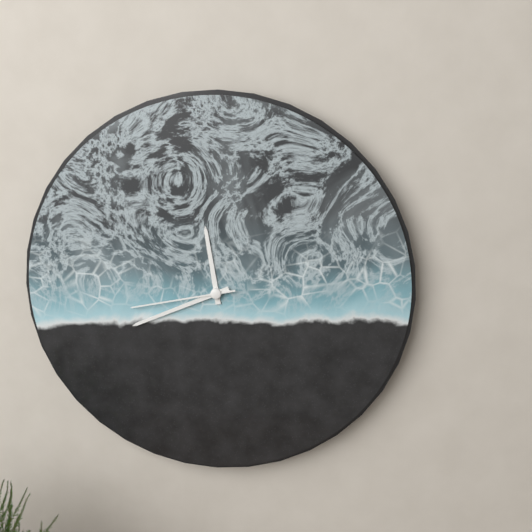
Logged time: h=11 m=41 s=43
